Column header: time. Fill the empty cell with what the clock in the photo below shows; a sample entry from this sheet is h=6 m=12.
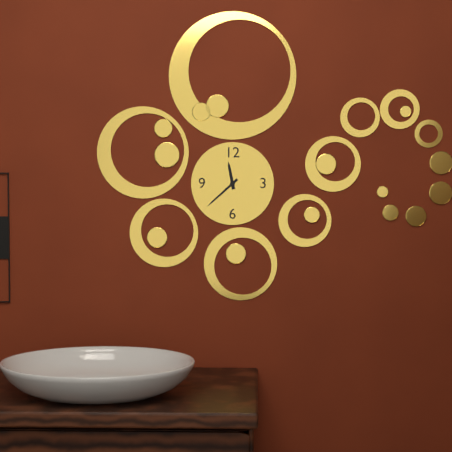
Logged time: h=11 m=38
